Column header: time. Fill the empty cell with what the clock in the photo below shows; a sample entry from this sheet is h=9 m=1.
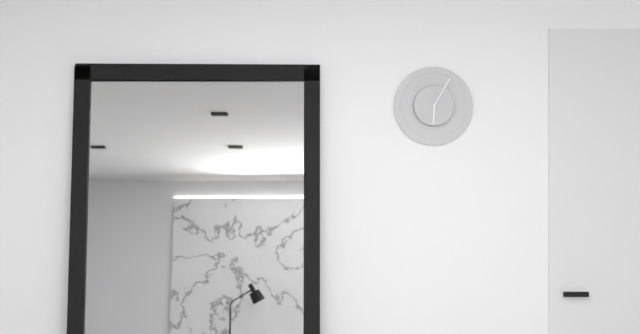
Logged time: h=6 m=5
